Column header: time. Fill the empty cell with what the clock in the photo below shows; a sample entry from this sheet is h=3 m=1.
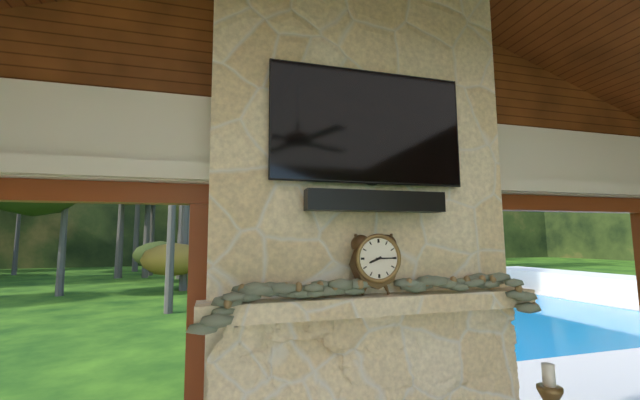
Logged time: h=8 m=15
